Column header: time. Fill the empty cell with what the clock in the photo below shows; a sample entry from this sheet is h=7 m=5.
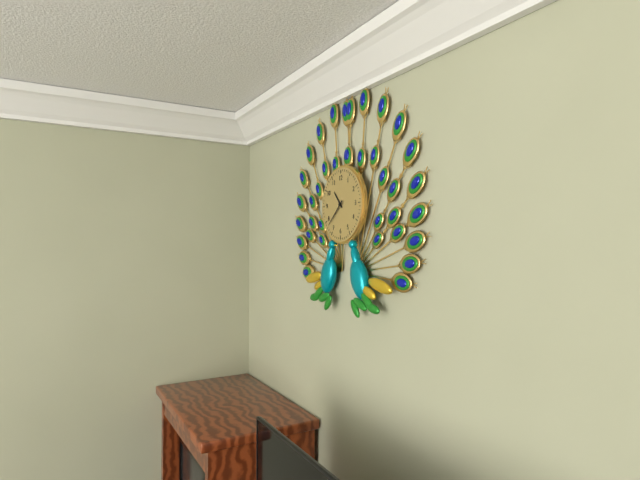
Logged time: h=10 m=38
